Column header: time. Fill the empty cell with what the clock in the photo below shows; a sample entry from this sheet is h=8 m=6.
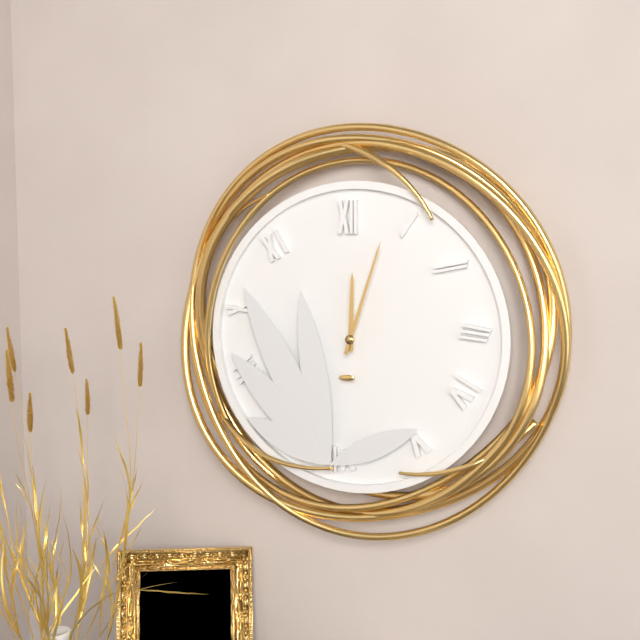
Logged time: h=12 m=3
